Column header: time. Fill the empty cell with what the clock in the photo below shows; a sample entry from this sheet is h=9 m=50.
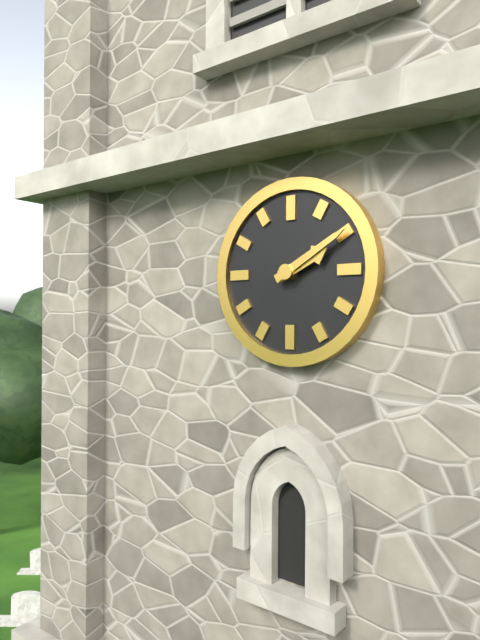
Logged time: h=2 m=10
